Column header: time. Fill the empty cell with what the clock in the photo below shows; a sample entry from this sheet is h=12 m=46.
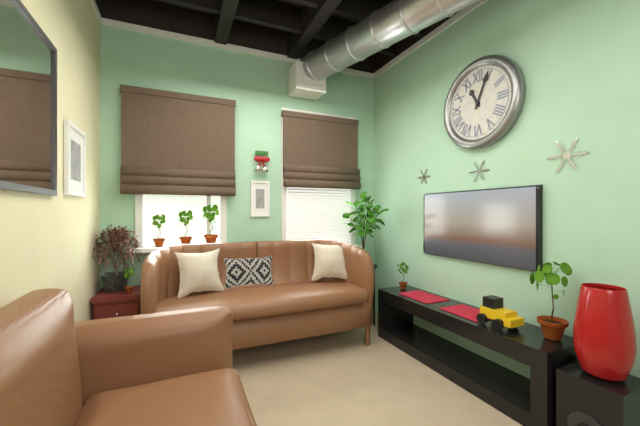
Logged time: h=11 m=4
